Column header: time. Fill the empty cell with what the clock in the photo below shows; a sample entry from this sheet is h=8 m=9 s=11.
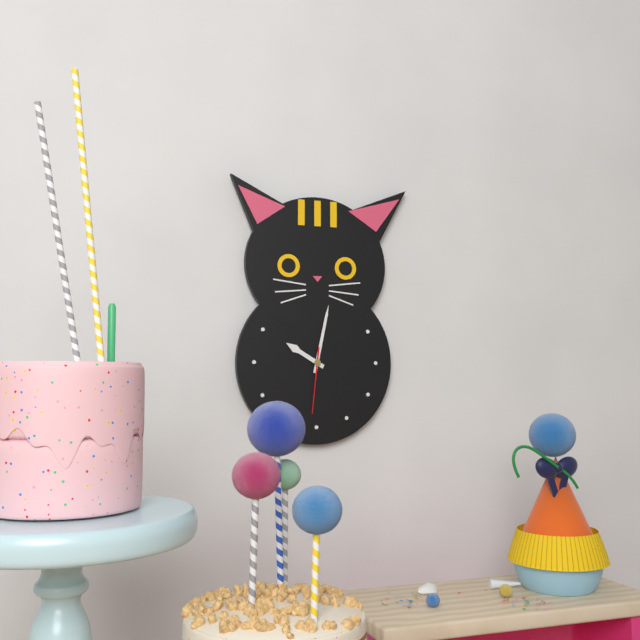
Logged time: h=10 m=2 s=31
